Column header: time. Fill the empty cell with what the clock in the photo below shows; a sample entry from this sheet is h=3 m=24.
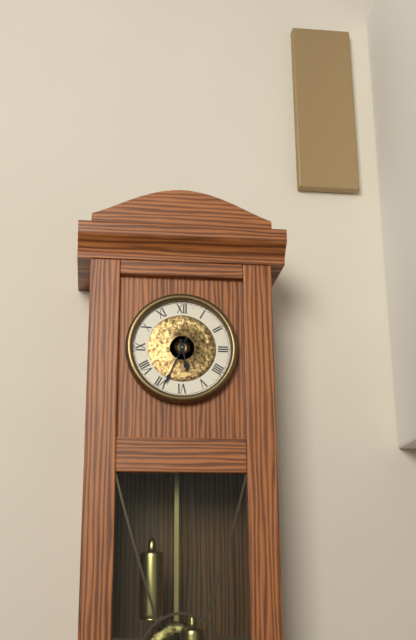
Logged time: h=5 m=34
